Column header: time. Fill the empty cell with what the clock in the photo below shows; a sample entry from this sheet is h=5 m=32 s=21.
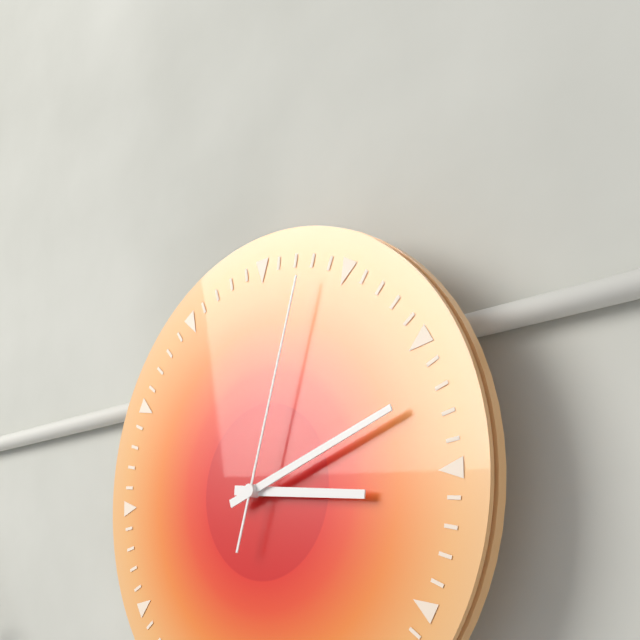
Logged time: h=3 m=12 s=3
